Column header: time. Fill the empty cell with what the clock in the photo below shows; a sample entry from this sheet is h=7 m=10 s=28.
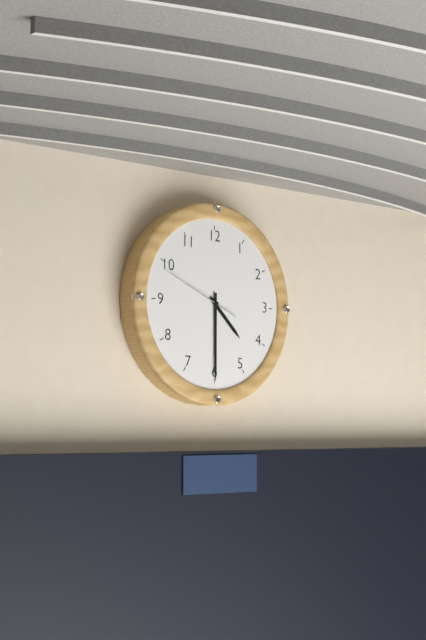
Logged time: h=4 m=30 s=49
